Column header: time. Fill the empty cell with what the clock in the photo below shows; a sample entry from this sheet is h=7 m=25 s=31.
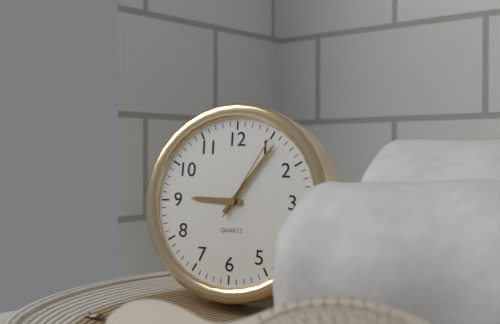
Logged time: h=9 m=6 s=5
